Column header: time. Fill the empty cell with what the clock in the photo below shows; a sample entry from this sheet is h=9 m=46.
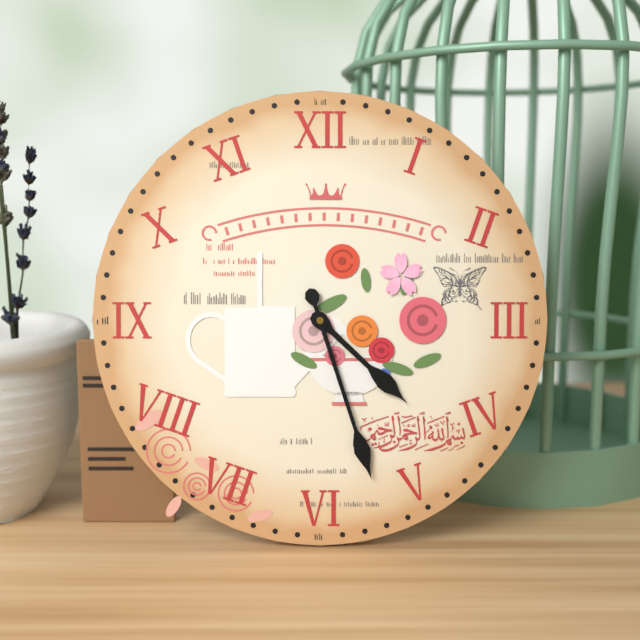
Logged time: h=4 m=27
